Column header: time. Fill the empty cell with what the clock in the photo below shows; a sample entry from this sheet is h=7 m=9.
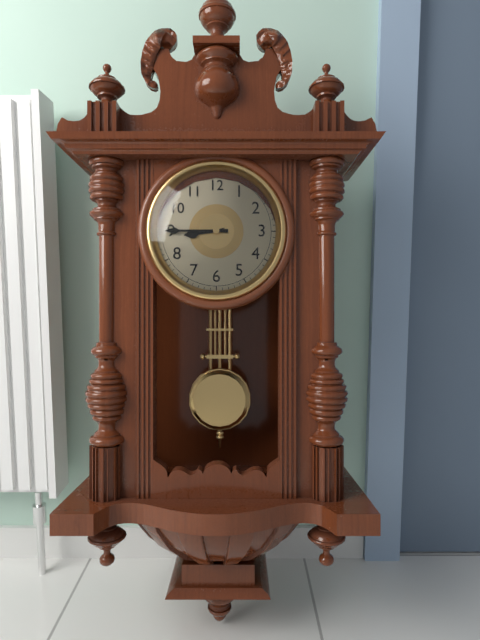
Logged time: h=8 m=45
